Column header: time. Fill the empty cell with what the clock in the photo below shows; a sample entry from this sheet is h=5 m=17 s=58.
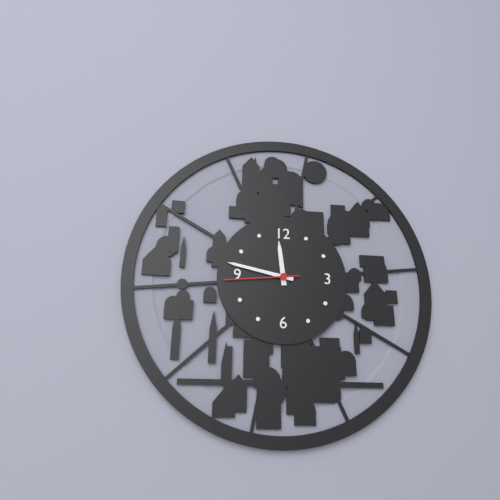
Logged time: h=11 m=47 s=44
